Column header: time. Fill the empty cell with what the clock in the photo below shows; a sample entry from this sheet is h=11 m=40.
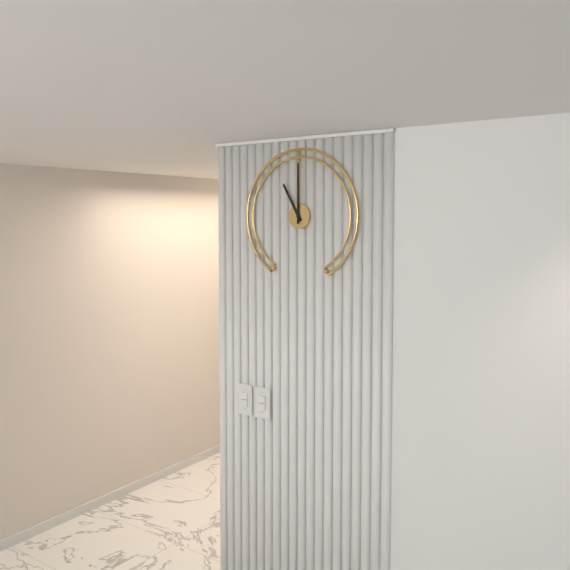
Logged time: h=11 m=0
